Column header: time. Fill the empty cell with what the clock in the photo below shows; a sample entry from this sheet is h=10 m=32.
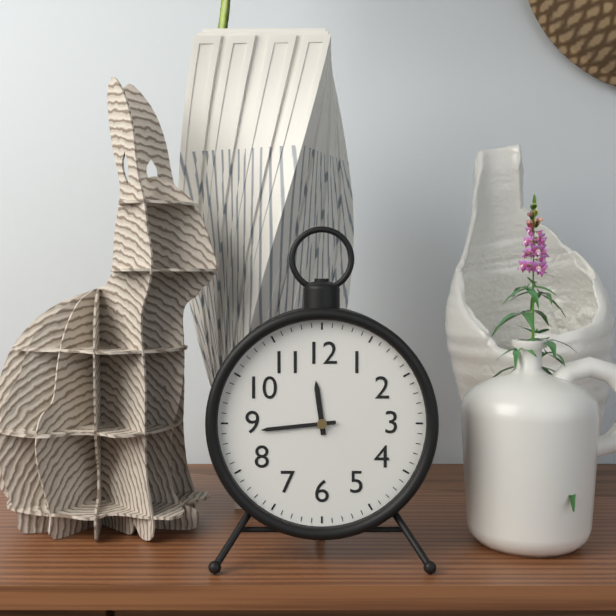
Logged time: h=11 m=44
